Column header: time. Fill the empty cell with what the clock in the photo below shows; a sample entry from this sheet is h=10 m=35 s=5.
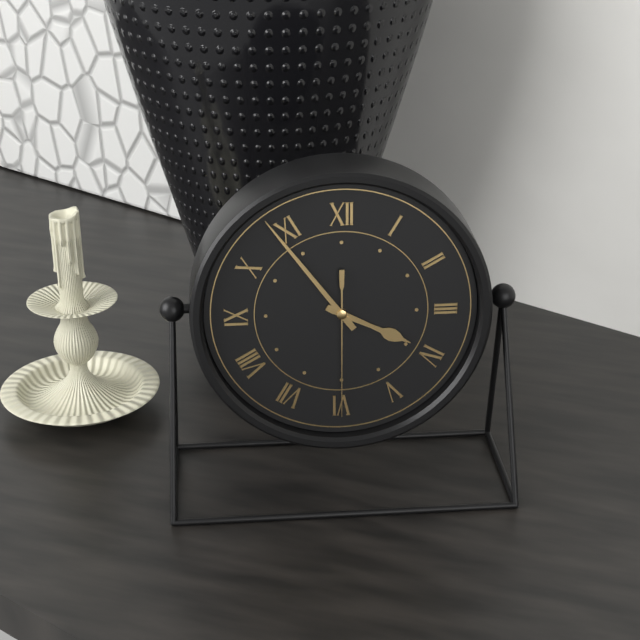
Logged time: h=3 m=54 s=30
